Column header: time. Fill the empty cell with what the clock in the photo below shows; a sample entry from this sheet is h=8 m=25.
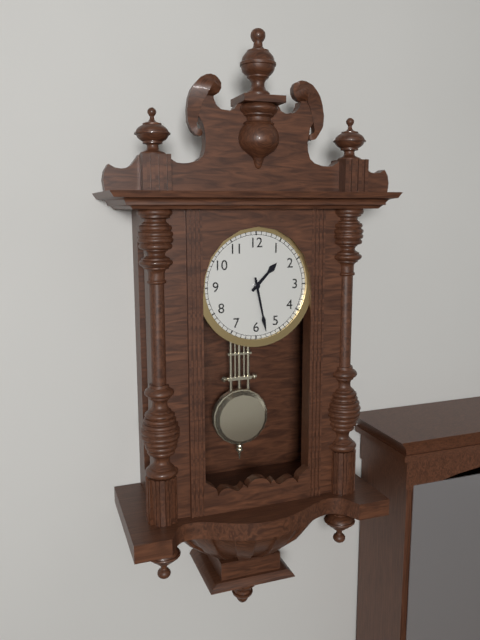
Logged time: h=1 m=28
